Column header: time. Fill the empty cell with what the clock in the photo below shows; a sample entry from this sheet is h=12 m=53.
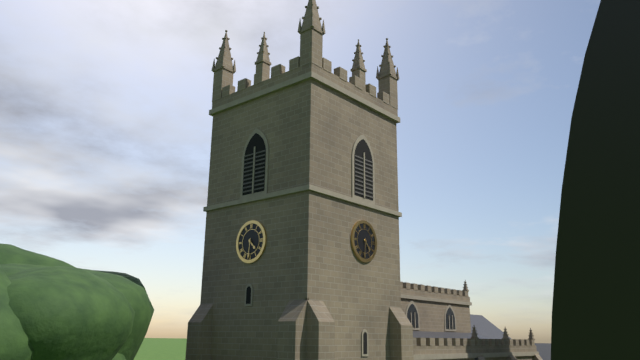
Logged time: h=4 m=31
